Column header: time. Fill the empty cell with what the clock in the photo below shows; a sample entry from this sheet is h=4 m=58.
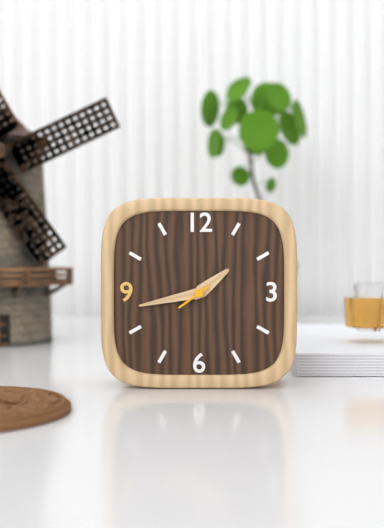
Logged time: h=1 m=43
